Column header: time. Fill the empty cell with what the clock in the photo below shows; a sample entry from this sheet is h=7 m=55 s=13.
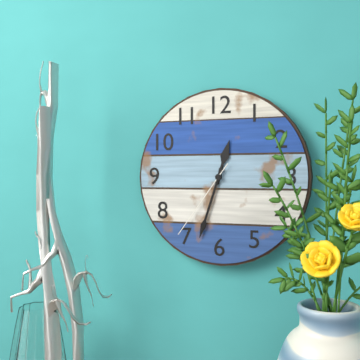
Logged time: h=12 m=33 s=36
